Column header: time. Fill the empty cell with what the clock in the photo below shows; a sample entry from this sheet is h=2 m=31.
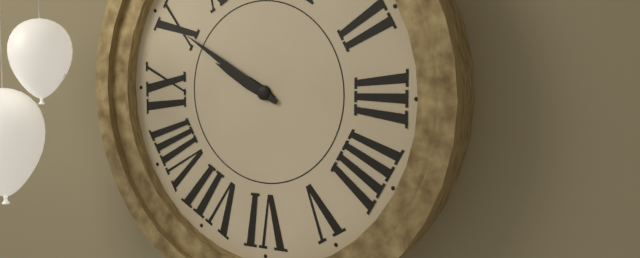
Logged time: h=9 m=50
